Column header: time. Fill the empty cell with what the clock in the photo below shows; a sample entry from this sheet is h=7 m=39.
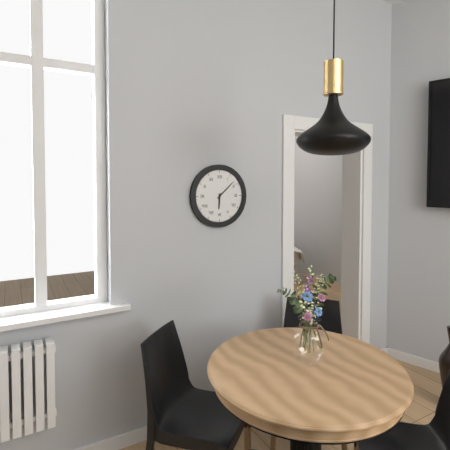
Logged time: h=6 m=8
